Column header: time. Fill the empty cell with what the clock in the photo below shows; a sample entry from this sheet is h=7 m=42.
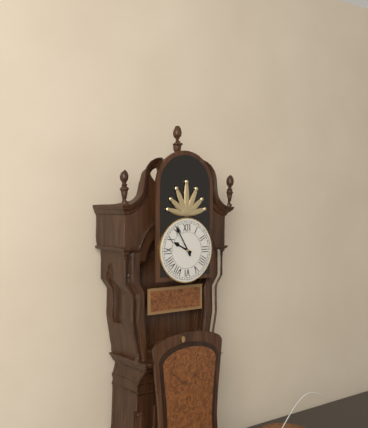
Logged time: h=9 m=55
